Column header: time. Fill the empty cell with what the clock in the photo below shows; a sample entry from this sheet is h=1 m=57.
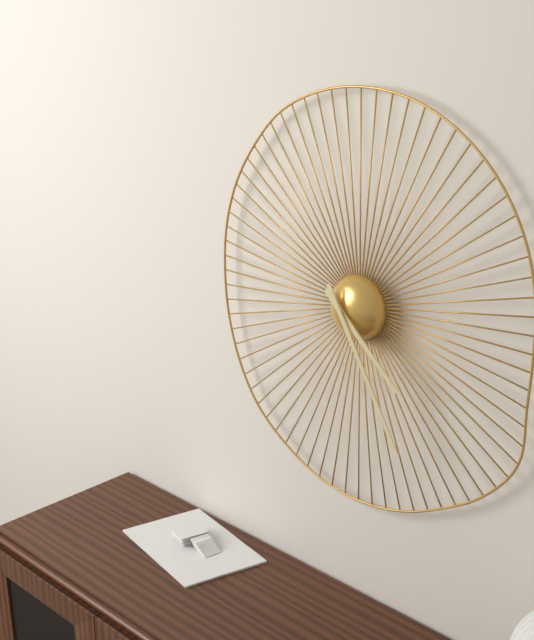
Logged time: h=4 m=25
